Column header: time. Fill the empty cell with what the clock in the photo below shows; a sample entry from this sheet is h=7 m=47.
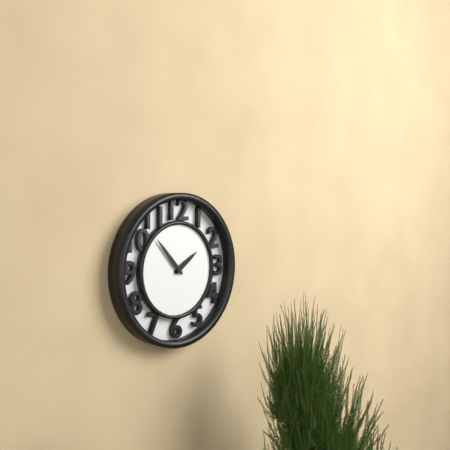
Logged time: h=1 m=53
